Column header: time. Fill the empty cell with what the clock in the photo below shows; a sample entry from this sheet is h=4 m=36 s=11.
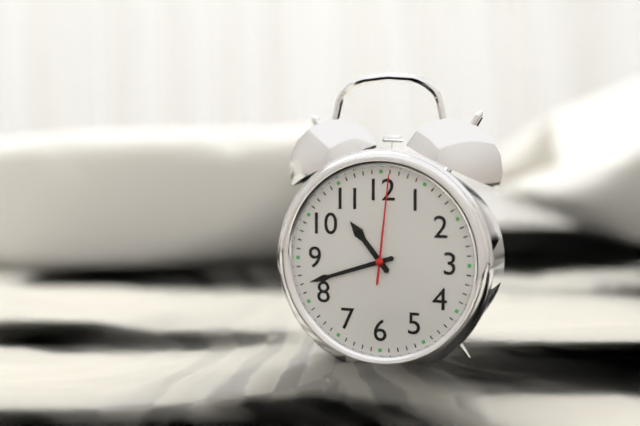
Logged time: h=10 m=42 s=1
